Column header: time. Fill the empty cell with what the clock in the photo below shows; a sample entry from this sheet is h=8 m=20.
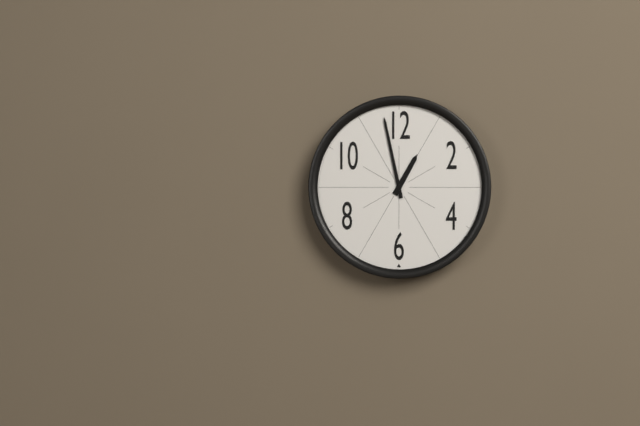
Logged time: h=12 m=58
